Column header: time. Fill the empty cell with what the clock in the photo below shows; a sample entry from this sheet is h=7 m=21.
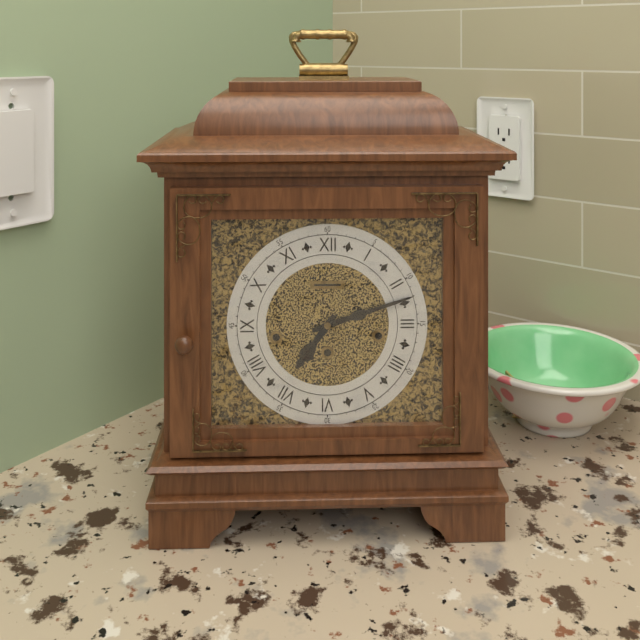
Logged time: h=7 m=12
